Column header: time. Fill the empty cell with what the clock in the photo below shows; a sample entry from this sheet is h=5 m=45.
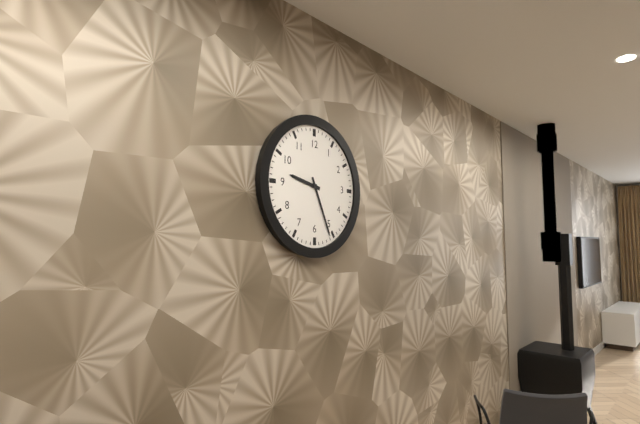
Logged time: h=9 m=26
